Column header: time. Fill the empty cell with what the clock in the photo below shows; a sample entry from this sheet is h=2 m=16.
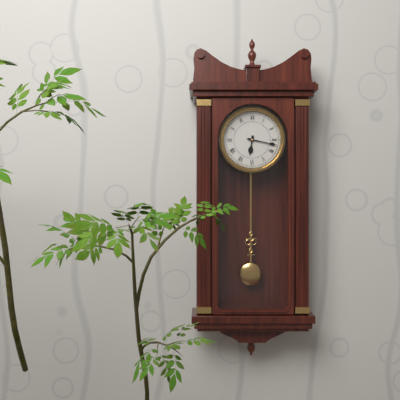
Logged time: h=6 m=17
